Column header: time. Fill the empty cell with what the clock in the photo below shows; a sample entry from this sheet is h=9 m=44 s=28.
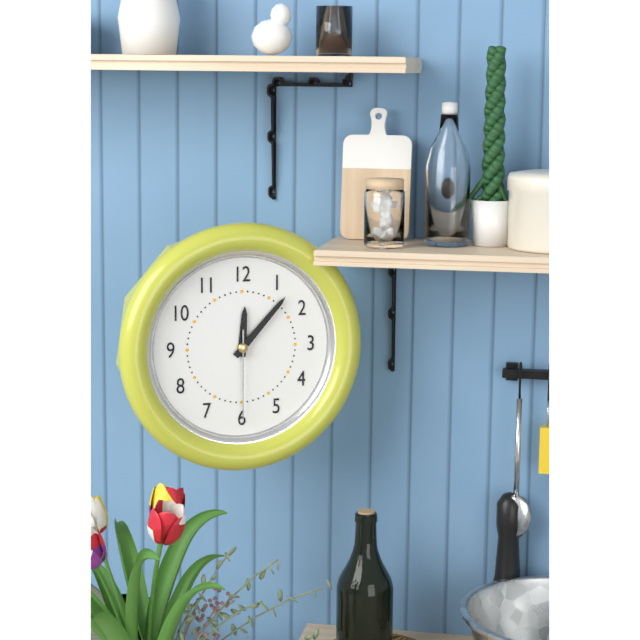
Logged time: h=12 m=7 s=30
